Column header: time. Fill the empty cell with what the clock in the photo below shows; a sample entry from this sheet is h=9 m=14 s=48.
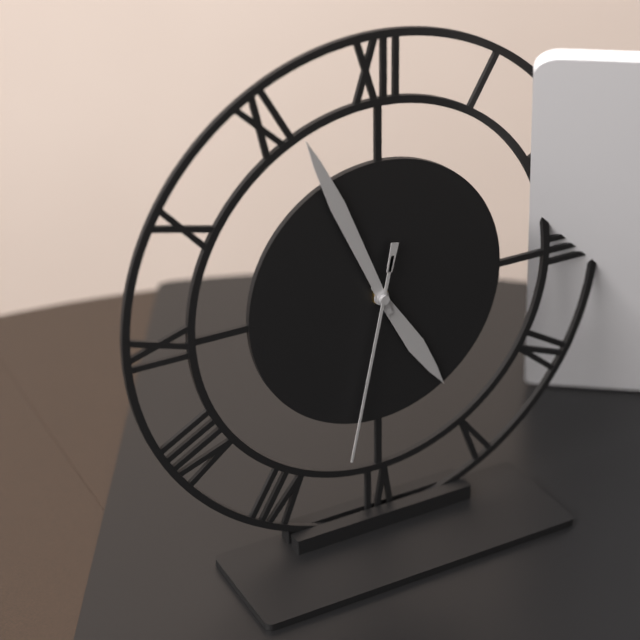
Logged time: h=4 m=56 s=32
